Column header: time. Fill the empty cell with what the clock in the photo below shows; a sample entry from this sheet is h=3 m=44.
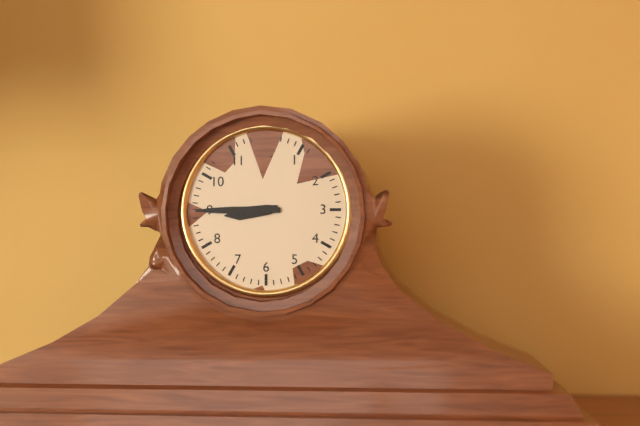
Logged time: h=8 m=45
